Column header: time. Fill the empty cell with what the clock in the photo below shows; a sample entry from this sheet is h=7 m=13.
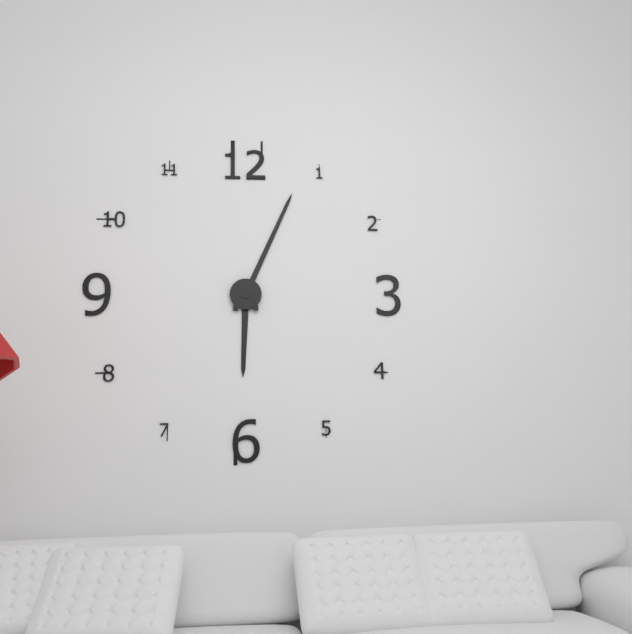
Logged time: h=6 m=4
